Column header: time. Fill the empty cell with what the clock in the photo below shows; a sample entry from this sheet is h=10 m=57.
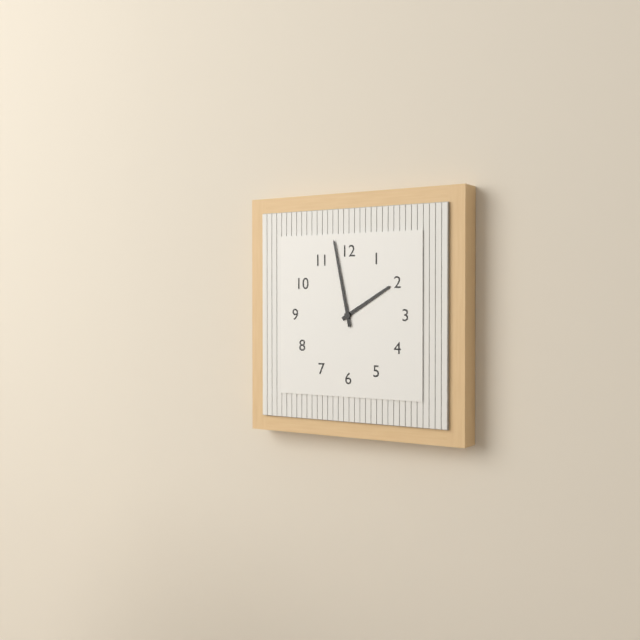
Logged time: h=1 m=58
